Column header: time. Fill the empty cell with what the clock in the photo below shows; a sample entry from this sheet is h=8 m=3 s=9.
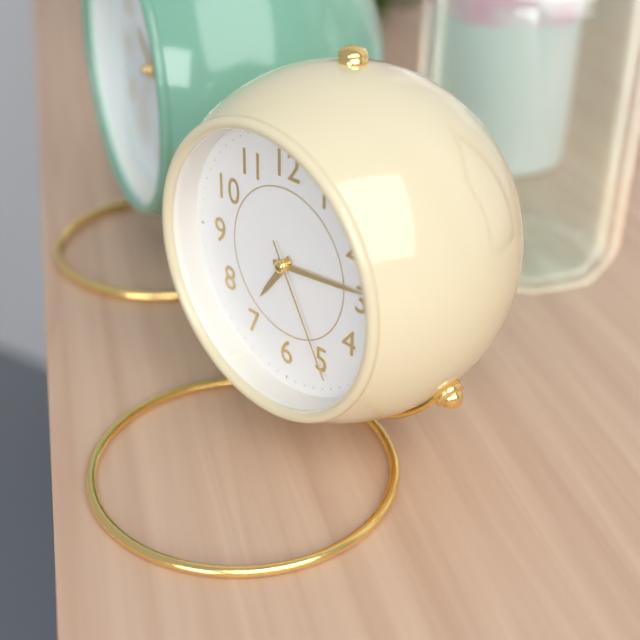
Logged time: h=7 m=14 s=25
